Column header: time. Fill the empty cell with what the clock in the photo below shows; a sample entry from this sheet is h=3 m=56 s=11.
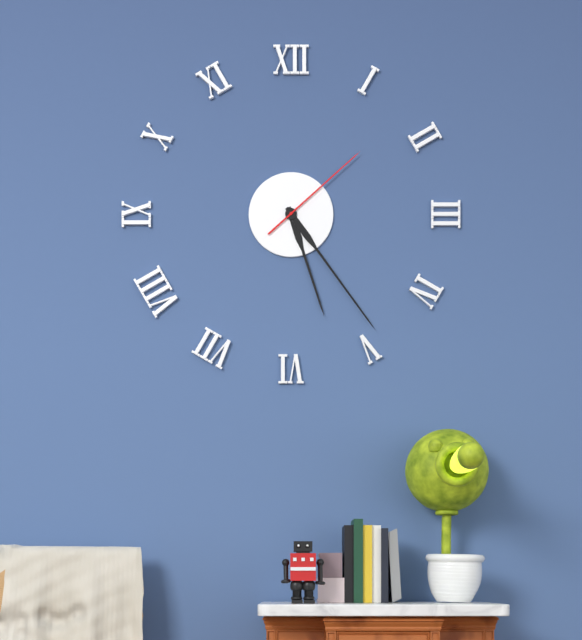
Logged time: h=5 m=24 s=8
